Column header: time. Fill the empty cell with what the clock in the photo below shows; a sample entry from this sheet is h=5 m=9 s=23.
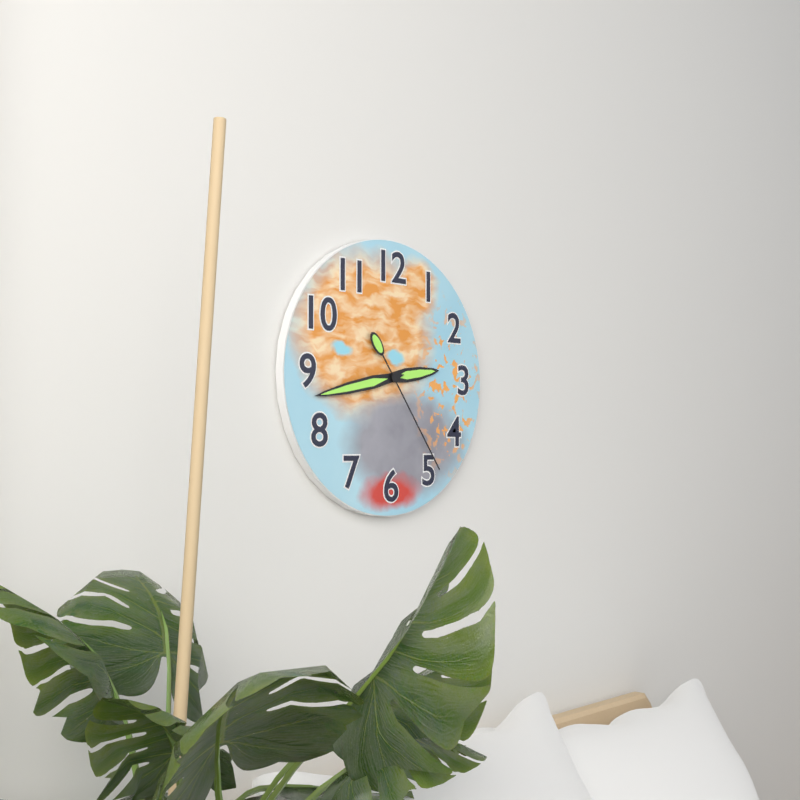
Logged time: h=2 m=43 s=24
